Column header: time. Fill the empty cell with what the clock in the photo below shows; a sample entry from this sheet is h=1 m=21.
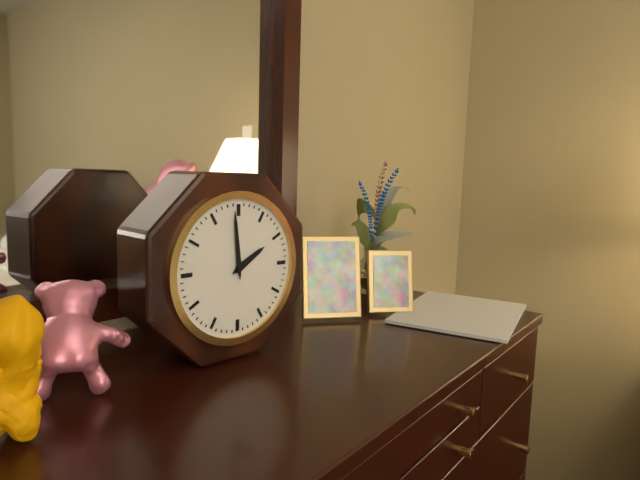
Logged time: h=1 m=59
